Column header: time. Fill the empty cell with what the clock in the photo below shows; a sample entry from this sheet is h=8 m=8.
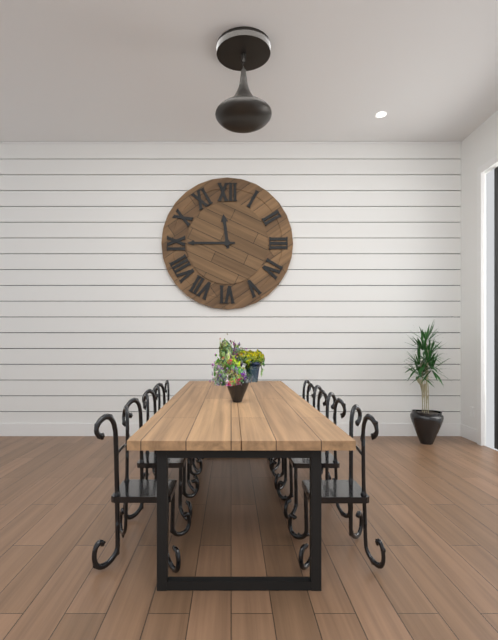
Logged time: h=11 m=45
